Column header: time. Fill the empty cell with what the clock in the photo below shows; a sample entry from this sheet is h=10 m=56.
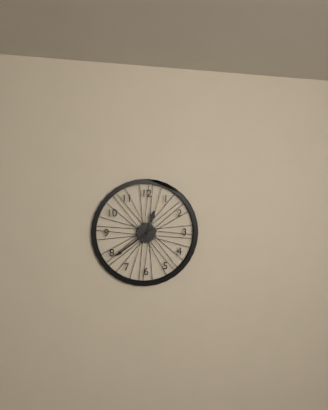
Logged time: h=12 m=39
